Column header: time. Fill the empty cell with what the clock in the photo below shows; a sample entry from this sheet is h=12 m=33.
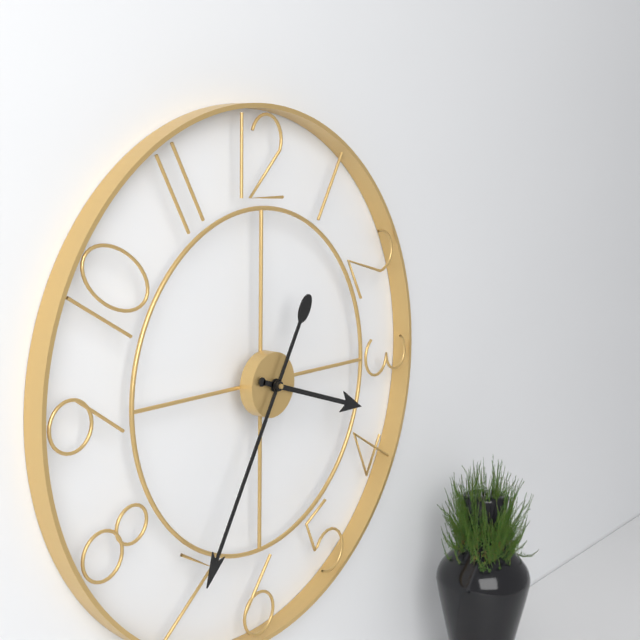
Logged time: h=3 m=35
